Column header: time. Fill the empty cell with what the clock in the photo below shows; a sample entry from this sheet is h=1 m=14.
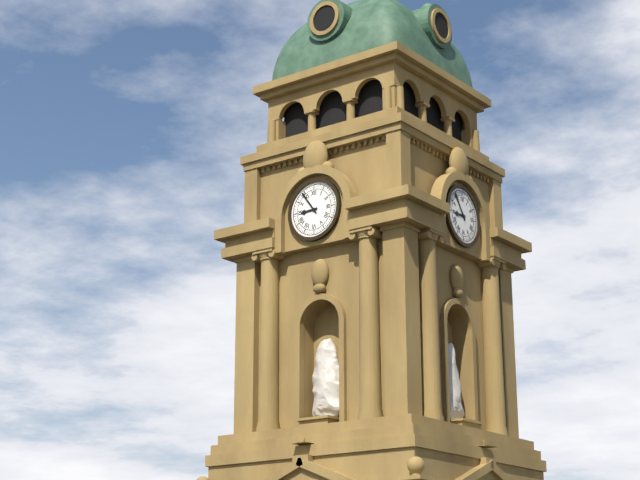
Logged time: h=8 m=54
